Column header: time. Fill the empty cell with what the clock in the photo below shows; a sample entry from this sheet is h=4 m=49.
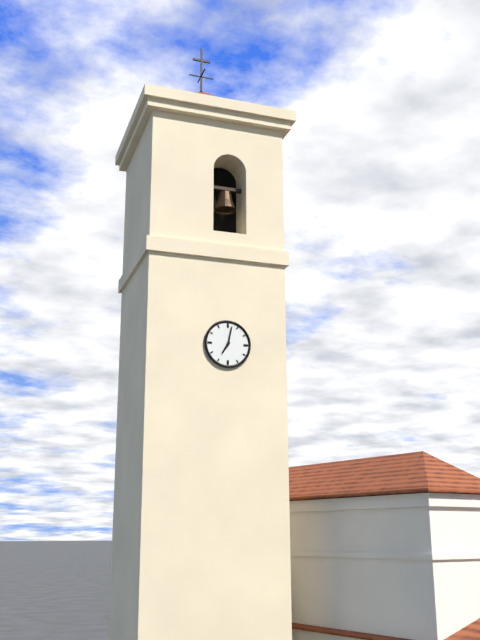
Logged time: h=7 m=2
